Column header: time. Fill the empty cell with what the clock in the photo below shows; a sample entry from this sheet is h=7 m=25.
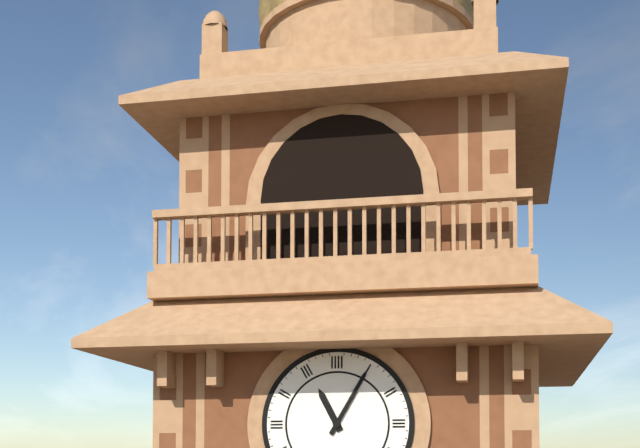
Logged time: h=11 m=5
